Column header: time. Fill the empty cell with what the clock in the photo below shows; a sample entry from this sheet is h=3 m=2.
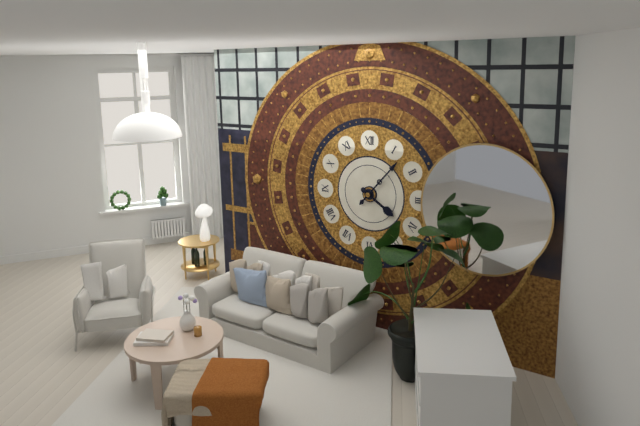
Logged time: h=4 m=7
